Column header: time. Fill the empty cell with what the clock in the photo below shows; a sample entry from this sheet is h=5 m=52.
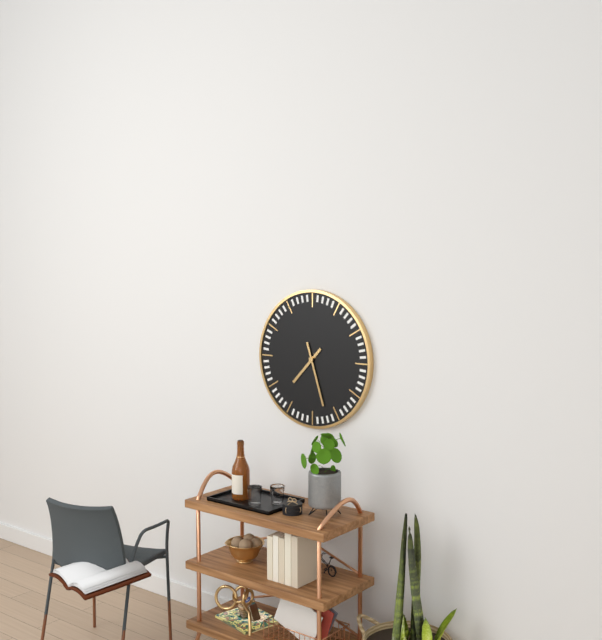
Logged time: h=7 m=27
